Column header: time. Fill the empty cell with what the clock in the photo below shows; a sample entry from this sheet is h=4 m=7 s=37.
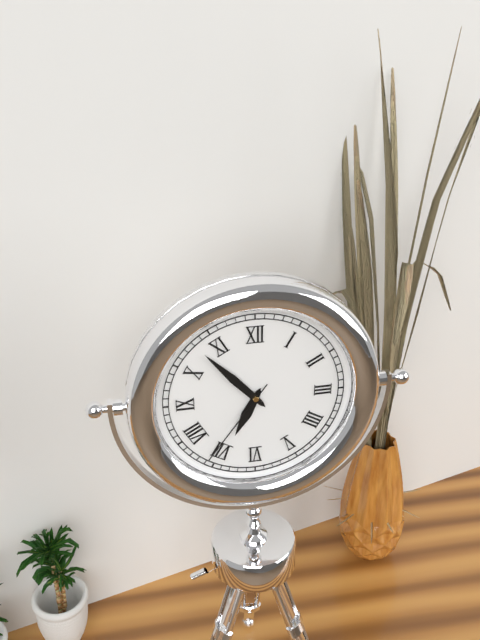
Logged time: h=6 m=53 s=36
